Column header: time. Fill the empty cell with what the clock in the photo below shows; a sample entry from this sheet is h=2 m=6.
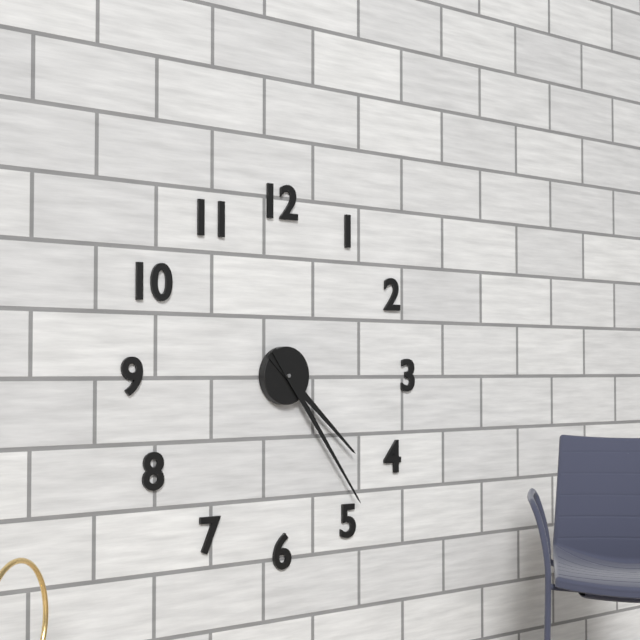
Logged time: h=4 m=24
